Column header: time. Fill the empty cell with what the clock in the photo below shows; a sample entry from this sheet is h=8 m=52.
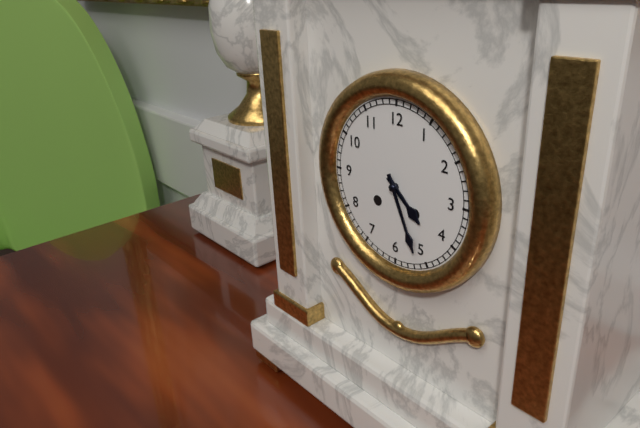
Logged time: h=4 m=26
